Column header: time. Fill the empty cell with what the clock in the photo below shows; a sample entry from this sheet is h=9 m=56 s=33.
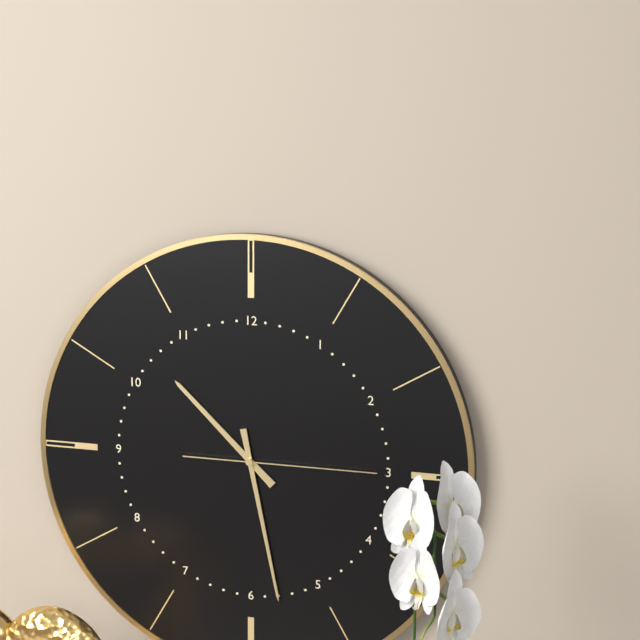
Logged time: h=10 m=28 s=15
